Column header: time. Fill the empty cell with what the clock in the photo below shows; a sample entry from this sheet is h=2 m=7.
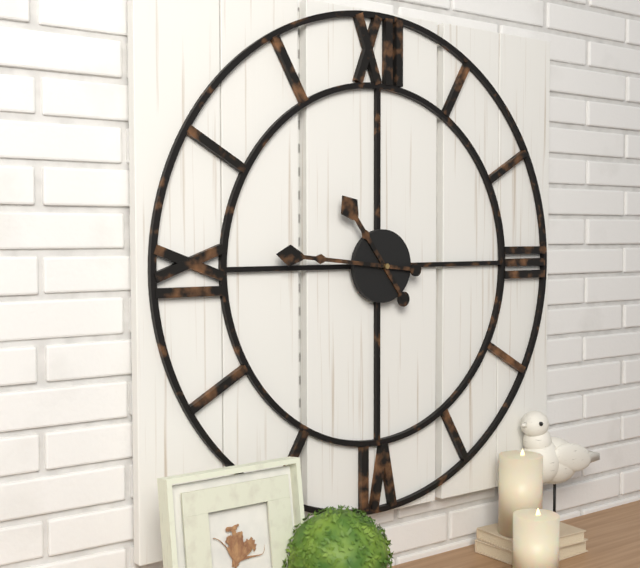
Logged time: h=10 m=46
